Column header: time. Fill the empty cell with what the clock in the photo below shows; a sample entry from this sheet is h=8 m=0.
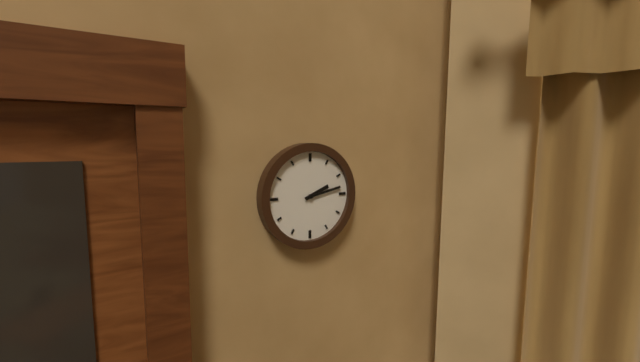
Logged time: h=2 m=13
